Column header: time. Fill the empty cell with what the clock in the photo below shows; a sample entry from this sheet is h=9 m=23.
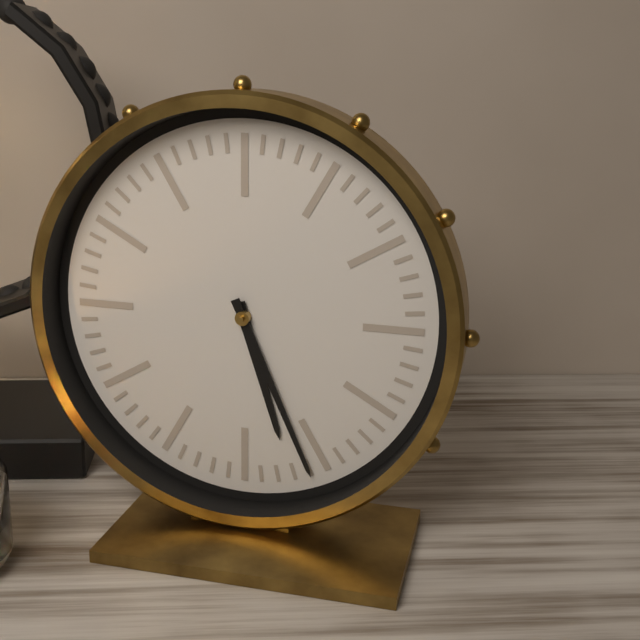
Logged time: h=5 m=26
